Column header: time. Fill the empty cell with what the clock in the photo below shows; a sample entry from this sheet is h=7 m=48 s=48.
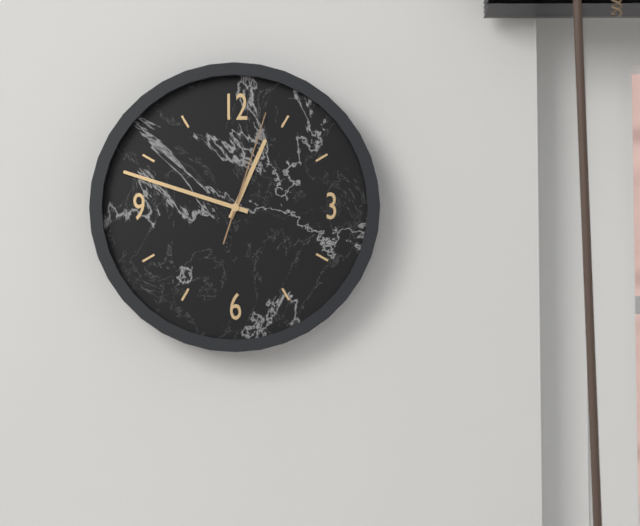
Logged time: h=12 m=48 s=3
